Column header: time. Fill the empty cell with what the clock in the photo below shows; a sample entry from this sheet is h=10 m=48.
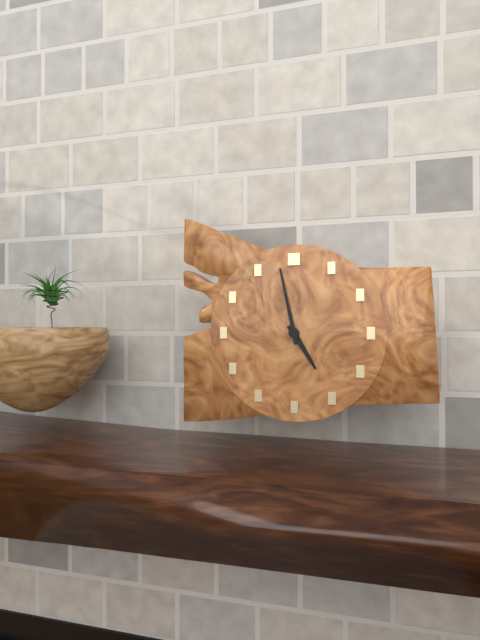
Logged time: h=4 m=58
